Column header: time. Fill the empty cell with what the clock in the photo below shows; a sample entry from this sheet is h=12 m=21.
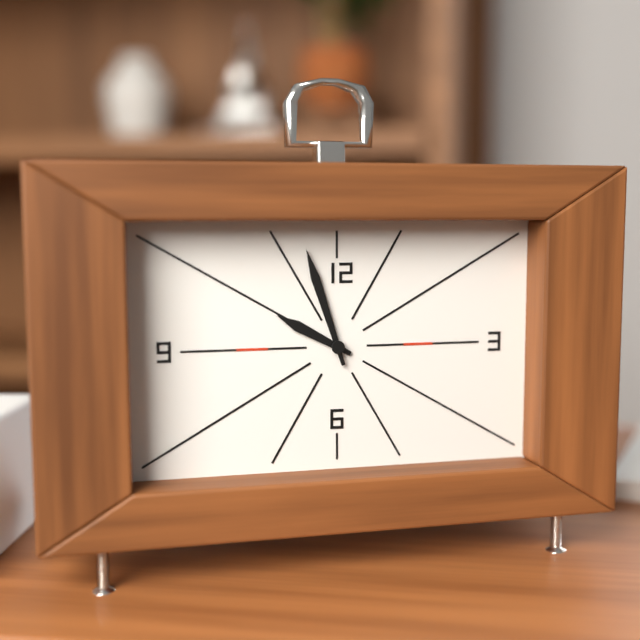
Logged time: h=9 m=57
